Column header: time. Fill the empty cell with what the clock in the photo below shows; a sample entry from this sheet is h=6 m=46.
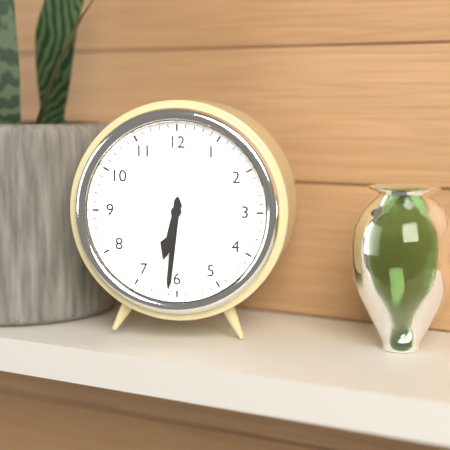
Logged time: h=6 m=31
